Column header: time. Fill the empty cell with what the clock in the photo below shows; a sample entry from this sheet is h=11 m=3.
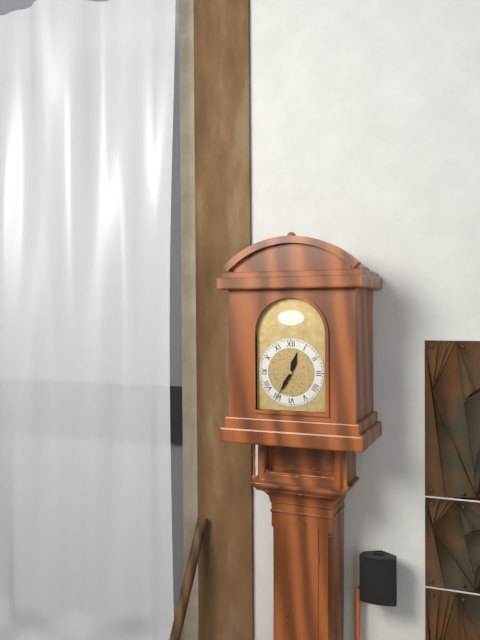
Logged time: h=12 m=35
